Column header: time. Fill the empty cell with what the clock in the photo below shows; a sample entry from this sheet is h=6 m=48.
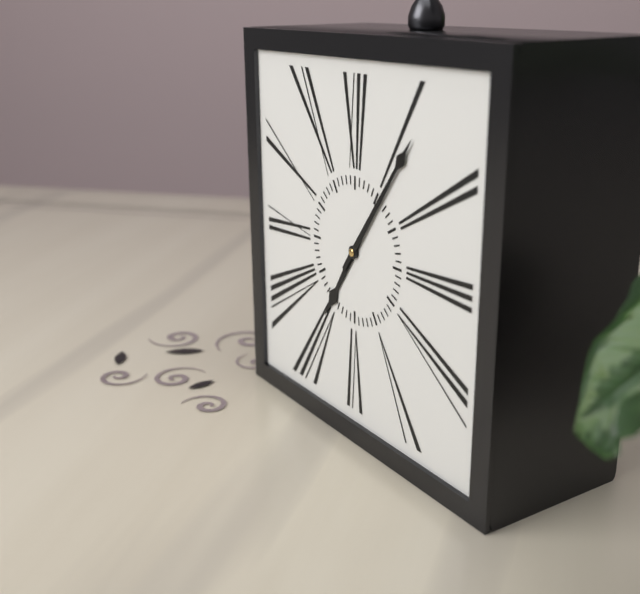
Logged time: h=7 m=6
